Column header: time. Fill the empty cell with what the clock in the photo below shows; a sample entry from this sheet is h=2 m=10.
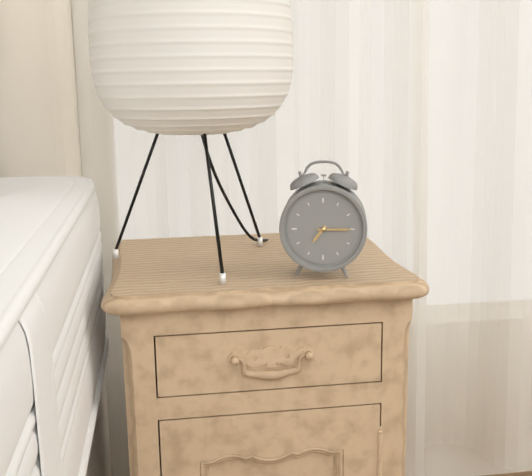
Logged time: h=7 m=15
